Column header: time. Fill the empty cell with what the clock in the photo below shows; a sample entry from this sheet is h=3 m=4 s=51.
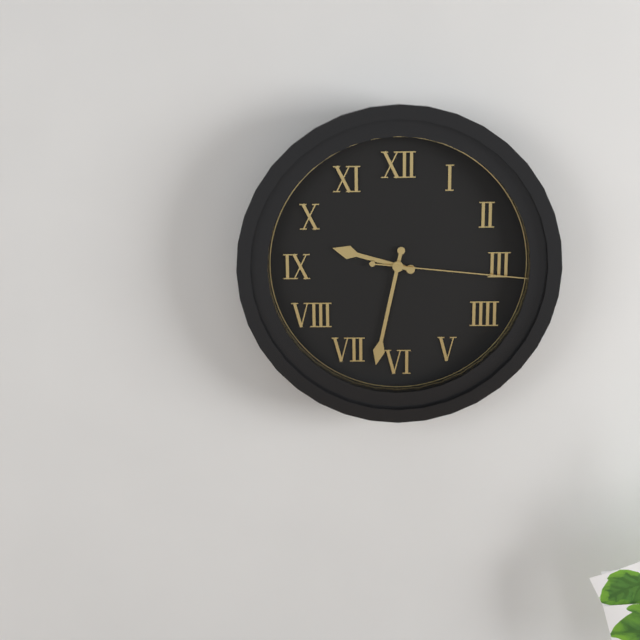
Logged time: h=9 m=32 s=16
